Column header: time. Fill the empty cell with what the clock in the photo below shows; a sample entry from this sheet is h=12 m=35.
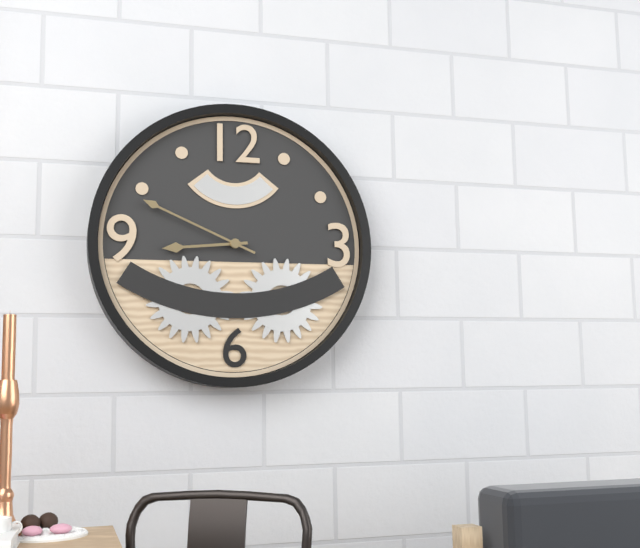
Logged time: h=8 m=49
